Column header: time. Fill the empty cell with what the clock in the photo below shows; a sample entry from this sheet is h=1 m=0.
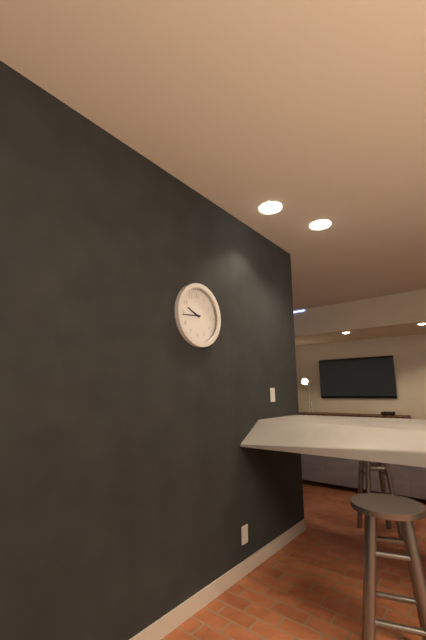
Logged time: h=9 m=44
